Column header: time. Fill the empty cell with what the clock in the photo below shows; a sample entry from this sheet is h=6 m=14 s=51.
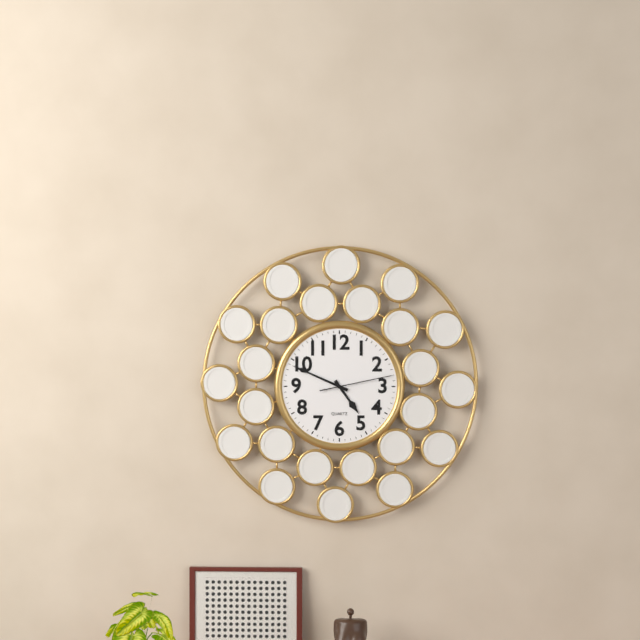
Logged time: h=4 m=49 s=13
